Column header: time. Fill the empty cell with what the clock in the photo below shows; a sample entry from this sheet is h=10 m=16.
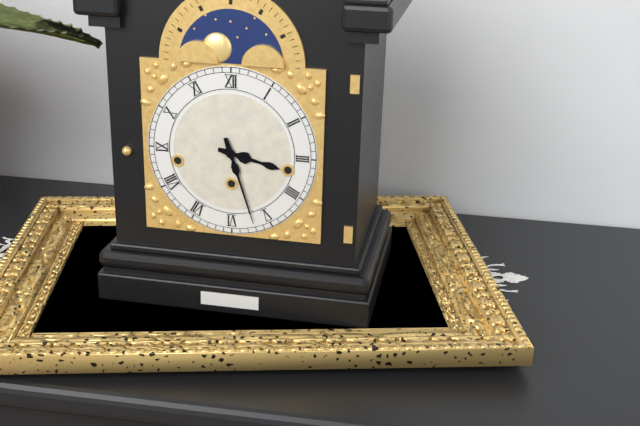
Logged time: h=3 m=27
